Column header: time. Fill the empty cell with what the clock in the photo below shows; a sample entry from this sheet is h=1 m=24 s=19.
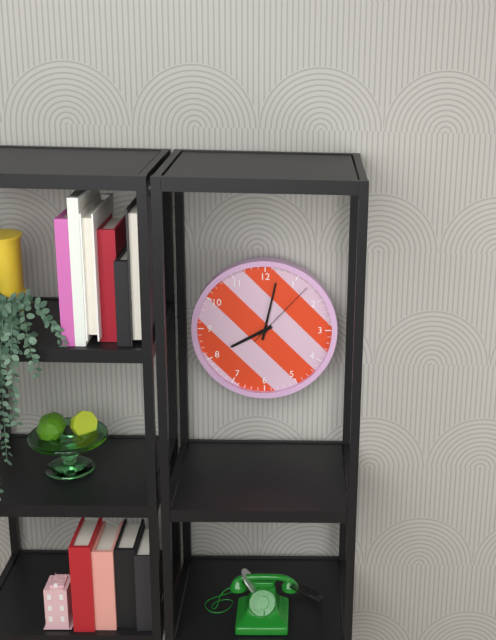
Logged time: h=8 m=2 s=7
